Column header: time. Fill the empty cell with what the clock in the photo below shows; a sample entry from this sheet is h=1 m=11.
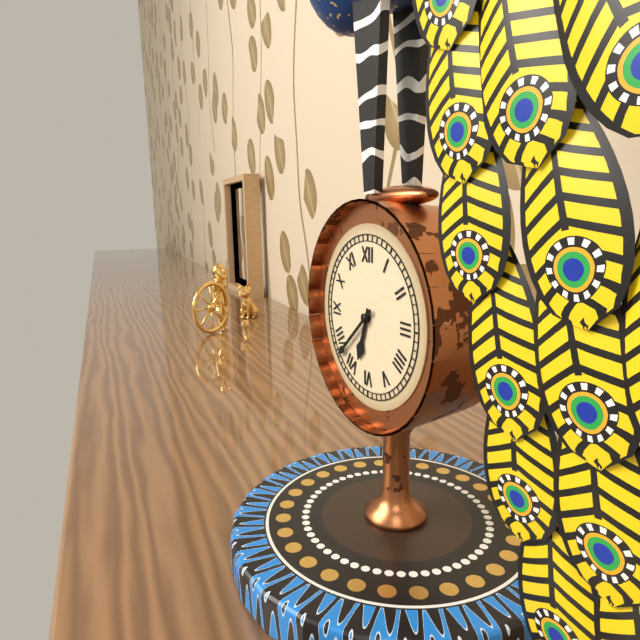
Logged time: h=6 m=38
